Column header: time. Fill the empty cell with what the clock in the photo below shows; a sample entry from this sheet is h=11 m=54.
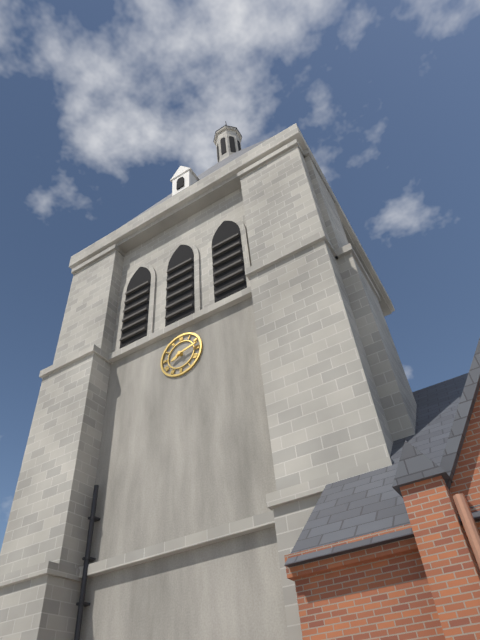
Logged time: h=8 m=13
